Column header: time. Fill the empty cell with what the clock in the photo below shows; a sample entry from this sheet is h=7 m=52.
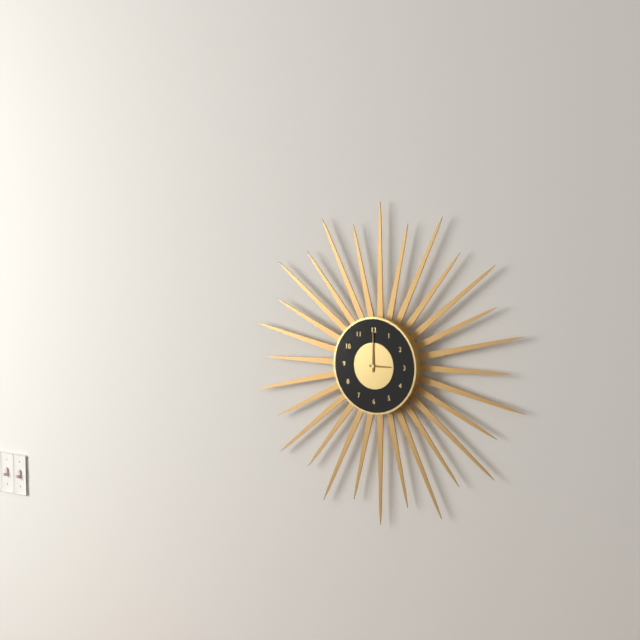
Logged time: h=3 m=0
